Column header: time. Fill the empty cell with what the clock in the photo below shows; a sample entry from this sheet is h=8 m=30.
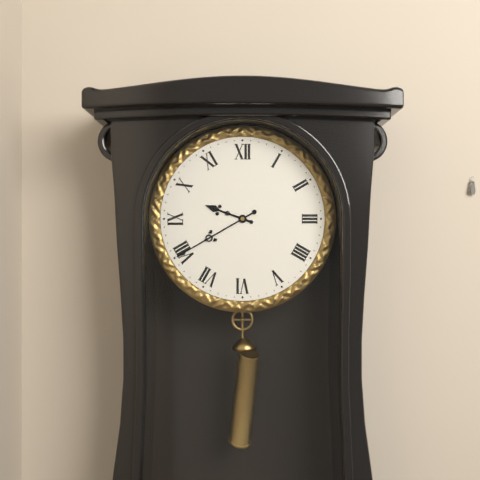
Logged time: h=9 m=40
